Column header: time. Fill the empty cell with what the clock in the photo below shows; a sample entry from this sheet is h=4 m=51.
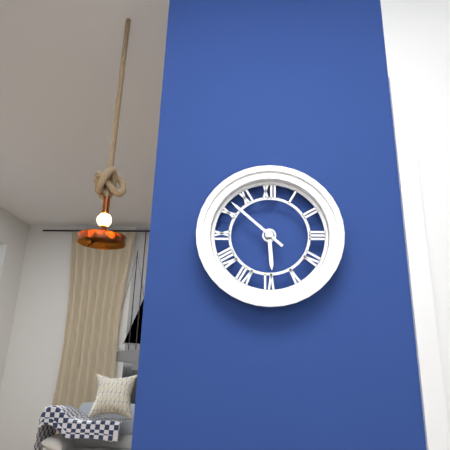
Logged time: h=5 m=52
